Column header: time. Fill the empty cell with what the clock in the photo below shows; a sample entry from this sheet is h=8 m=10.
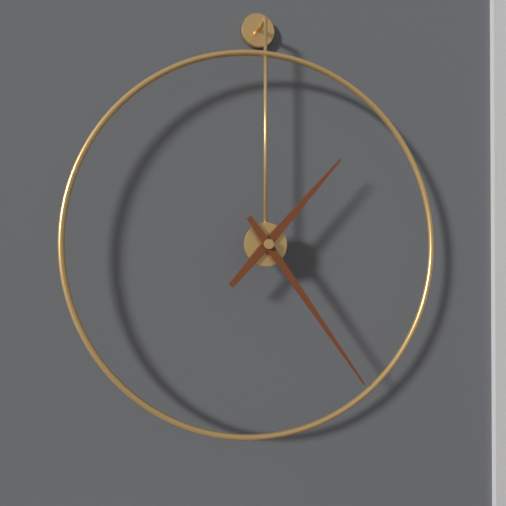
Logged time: h=1 m=24
